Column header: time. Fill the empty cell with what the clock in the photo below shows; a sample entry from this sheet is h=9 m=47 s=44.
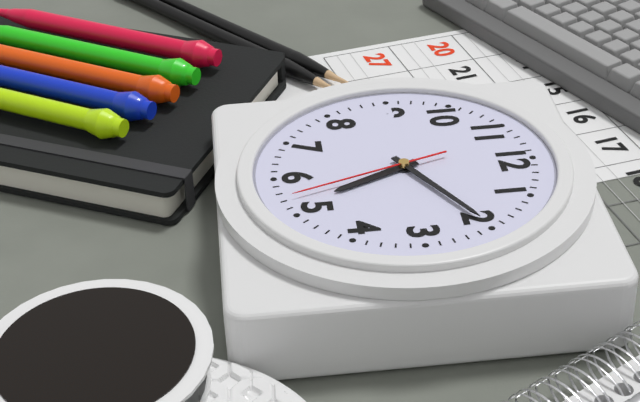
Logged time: h=5 m=10 s=27
